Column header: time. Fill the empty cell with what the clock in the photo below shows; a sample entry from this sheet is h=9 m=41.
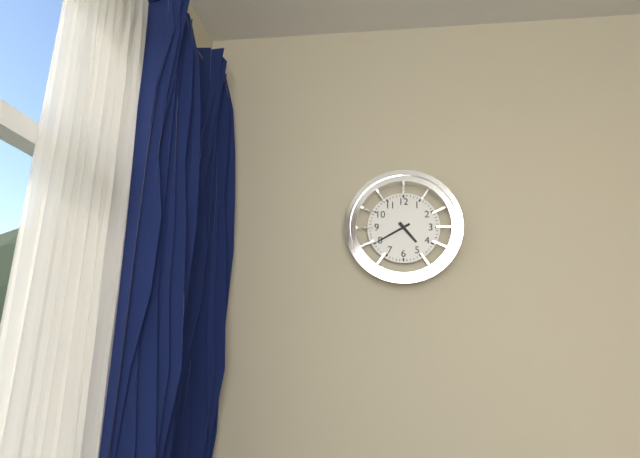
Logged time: h=4 m=40
